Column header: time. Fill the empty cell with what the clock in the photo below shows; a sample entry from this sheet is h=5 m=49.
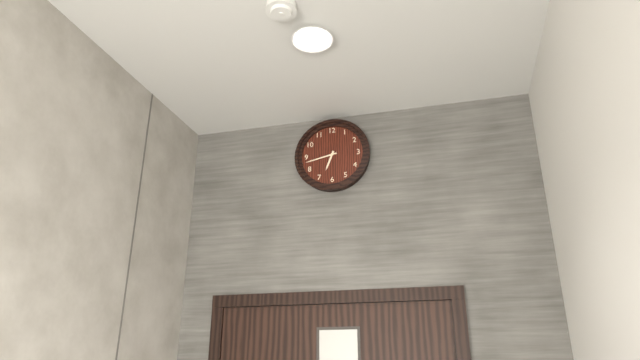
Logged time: h=6 m=43
